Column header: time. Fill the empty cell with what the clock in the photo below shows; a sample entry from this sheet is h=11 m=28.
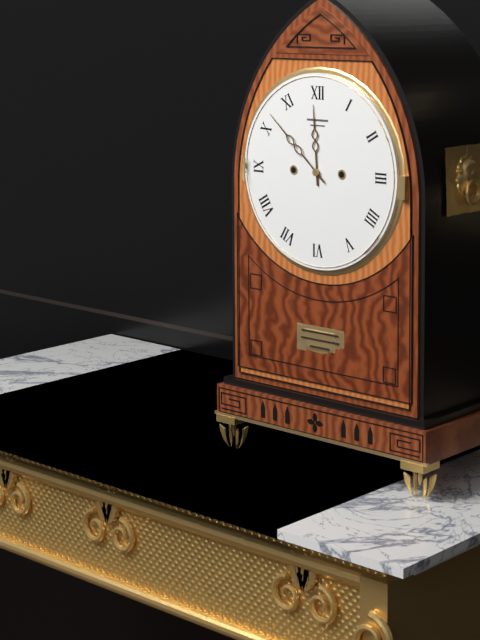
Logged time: h=11 m=52
